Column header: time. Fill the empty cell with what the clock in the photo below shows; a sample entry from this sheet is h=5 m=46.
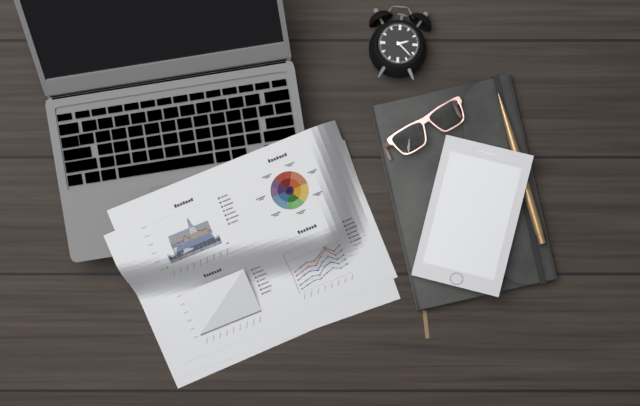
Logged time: h=2 m=22
